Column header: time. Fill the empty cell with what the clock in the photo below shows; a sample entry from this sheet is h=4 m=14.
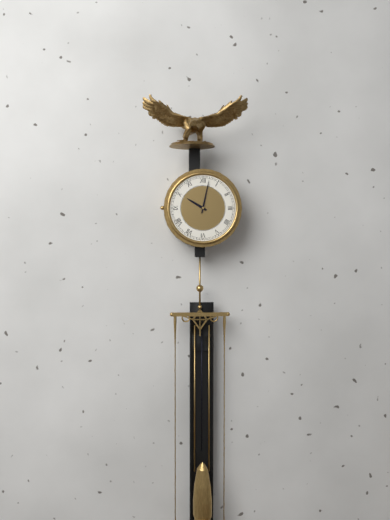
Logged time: h=10 m=2
